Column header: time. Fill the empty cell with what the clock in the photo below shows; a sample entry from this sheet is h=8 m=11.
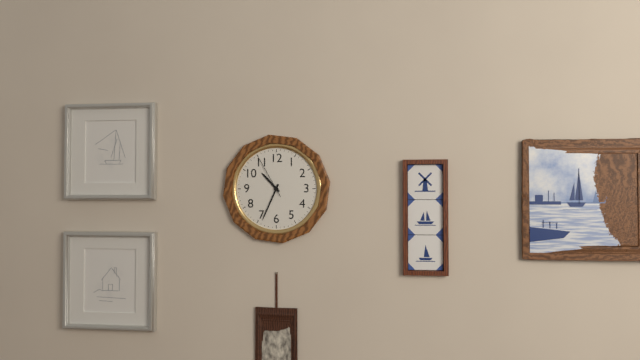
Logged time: h=10 m=34
